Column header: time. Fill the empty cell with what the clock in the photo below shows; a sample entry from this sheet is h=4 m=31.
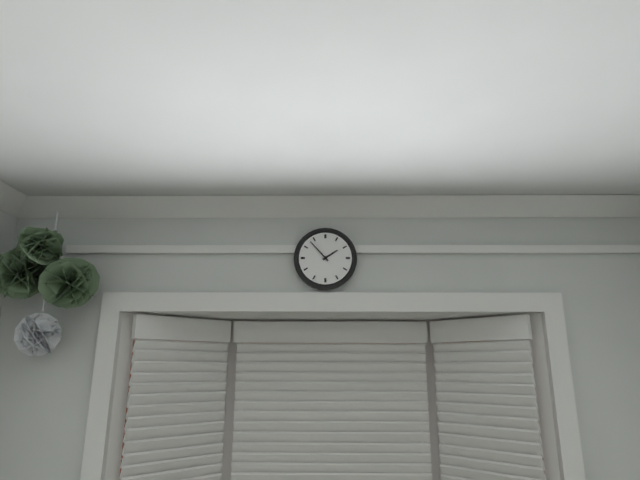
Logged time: h=1 m=53
